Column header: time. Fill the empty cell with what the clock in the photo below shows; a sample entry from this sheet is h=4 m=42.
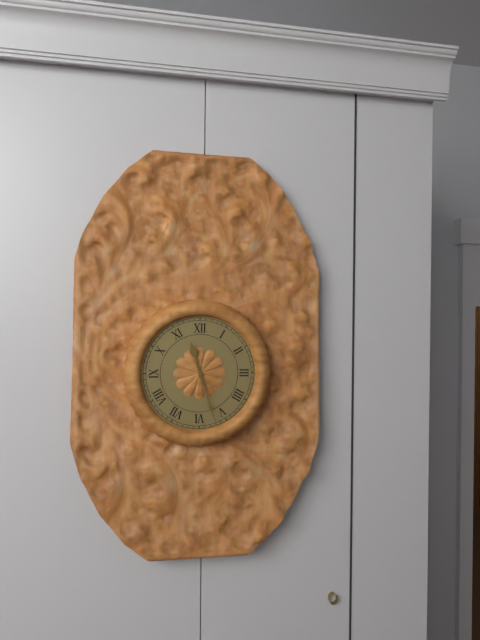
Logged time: h=11 m=27
